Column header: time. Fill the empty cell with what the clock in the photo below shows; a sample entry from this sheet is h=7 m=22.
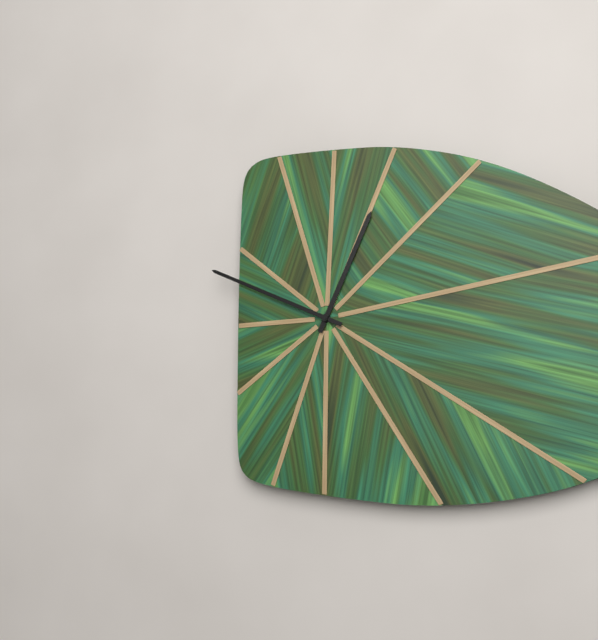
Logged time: h=12 m=49
